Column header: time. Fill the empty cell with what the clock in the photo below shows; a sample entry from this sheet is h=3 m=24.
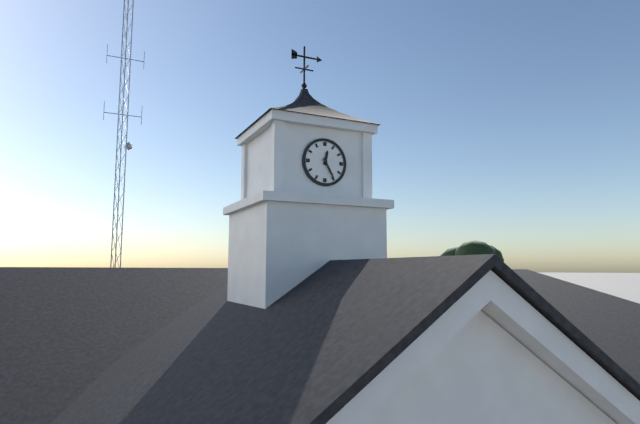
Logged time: h=12 m=25
